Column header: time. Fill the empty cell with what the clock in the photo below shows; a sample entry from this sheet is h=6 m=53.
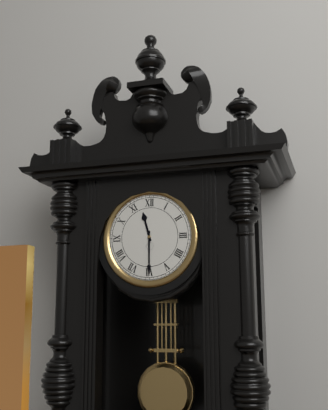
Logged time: h=11 m=30
